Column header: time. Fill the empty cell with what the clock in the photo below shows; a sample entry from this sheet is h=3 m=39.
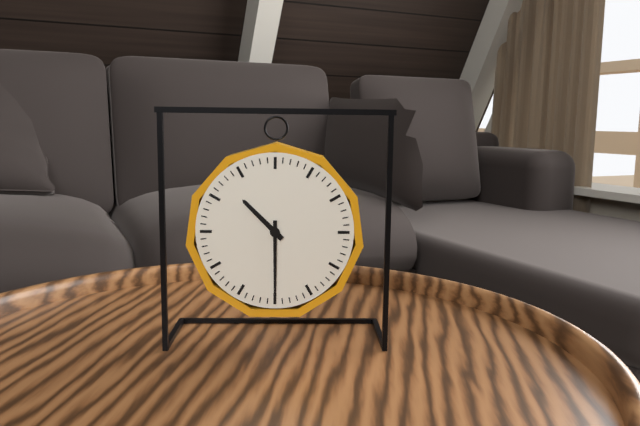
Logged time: h=10 m=30
